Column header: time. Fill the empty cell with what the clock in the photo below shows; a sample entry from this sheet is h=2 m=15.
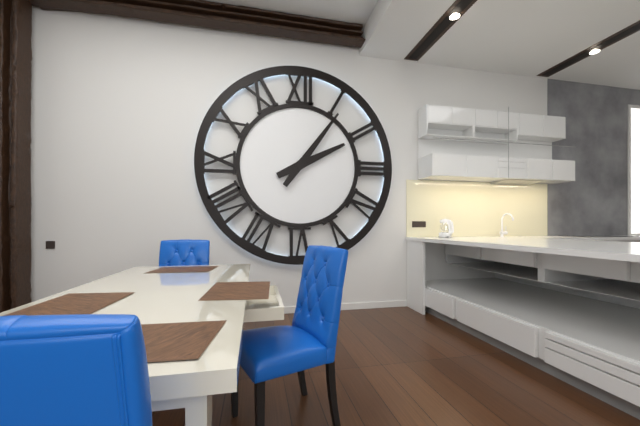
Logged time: h=2 m=6
